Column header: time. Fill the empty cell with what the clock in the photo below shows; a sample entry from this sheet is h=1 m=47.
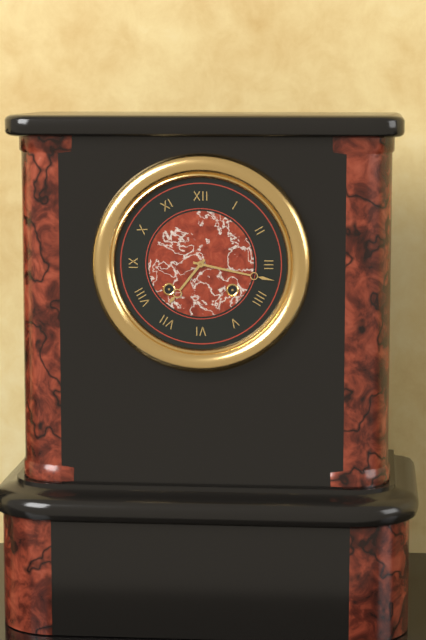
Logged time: h=7 m=17
